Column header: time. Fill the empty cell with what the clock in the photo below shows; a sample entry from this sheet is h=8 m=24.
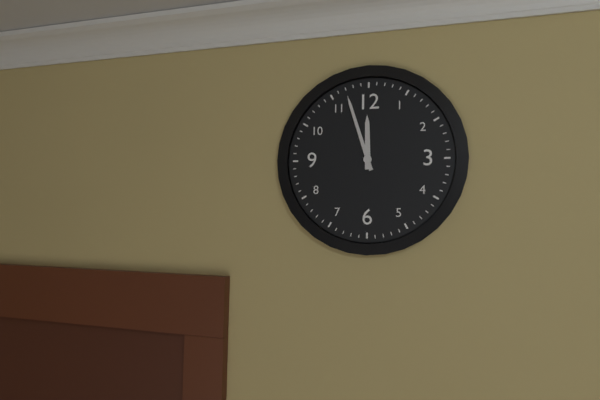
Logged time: h=11 m=57
